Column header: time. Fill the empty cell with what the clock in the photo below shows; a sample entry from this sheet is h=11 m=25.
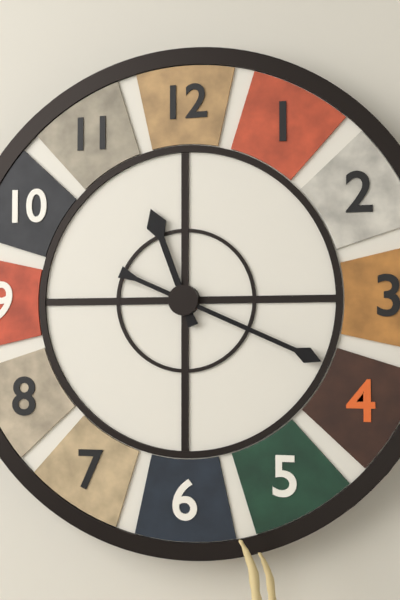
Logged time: h=11 m=19
